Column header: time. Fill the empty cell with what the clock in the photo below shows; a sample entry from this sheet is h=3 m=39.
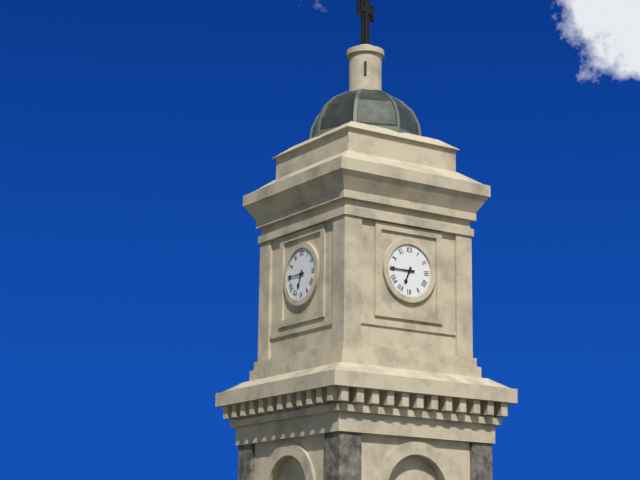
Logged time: h=6 m=45
